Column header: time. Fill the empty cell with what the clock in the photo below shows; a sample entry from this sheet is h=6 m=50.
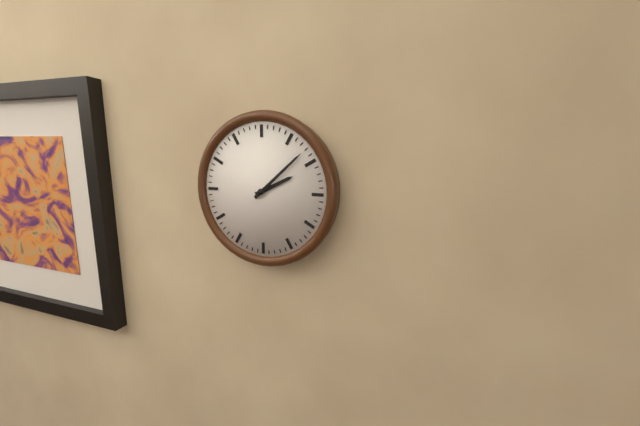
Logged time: h=2 m=8
